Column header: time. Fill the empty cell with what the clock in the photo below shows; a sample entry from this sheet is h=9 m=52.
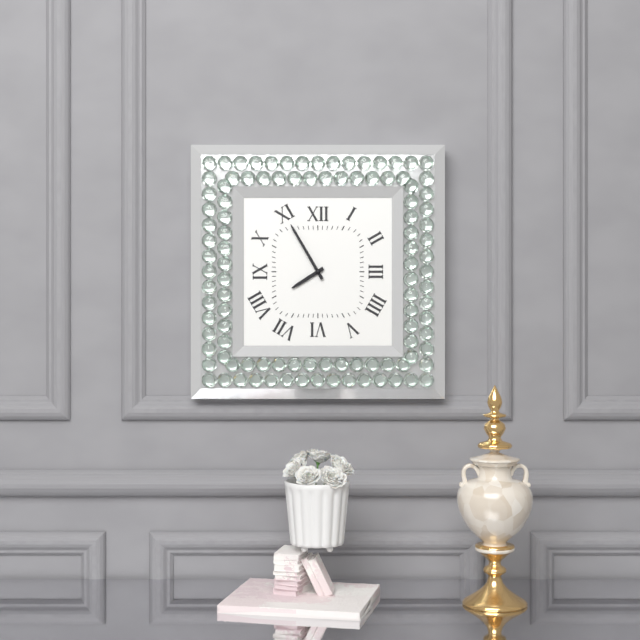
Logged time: h=7 m=55
